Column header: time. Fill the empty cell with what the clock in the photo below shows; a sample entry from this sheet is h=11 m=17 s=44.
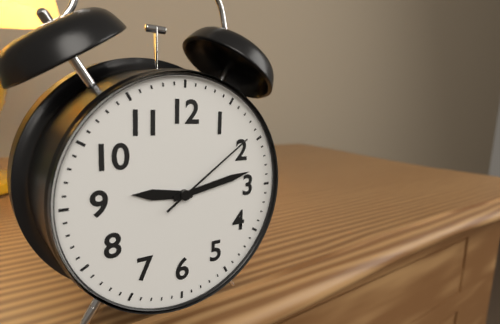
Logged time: h=9 m=13 s=9
